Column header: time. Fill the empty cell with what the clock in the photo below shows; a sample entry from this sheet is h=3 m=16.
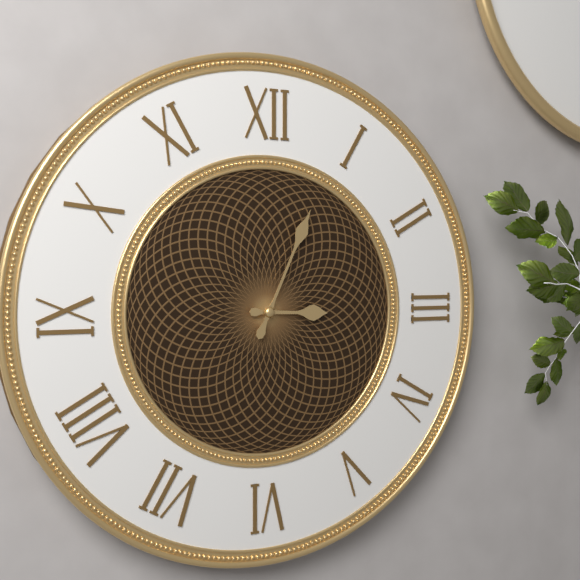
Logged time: h=3 m=4
